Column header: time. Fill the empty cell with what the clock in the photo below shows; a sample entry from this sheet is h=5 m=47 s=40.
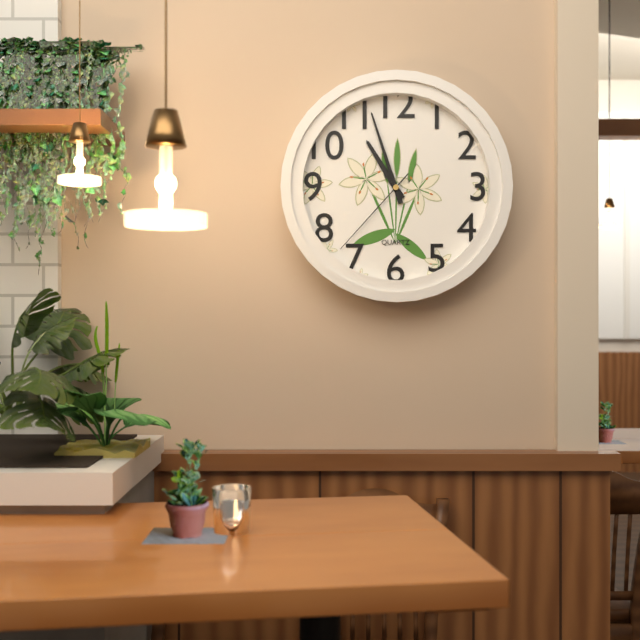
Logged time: h=10 m=57 s=37
